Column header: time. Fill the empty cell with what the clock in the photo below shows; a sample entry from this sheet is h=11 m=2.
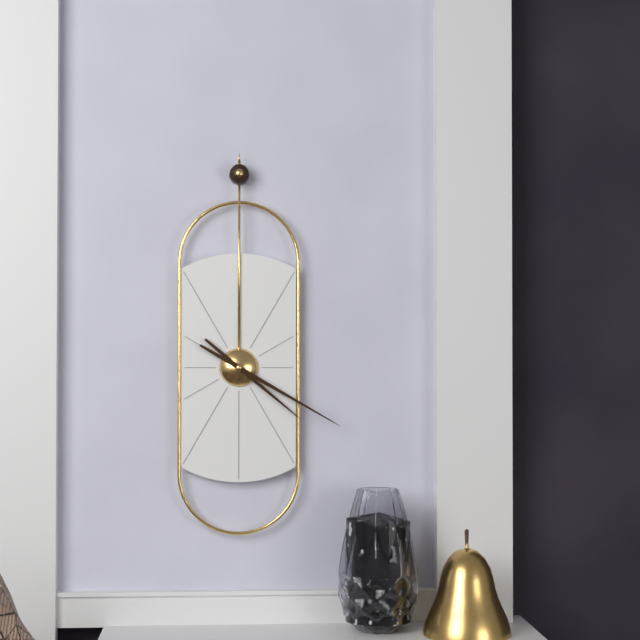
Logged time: h=4 m=20
